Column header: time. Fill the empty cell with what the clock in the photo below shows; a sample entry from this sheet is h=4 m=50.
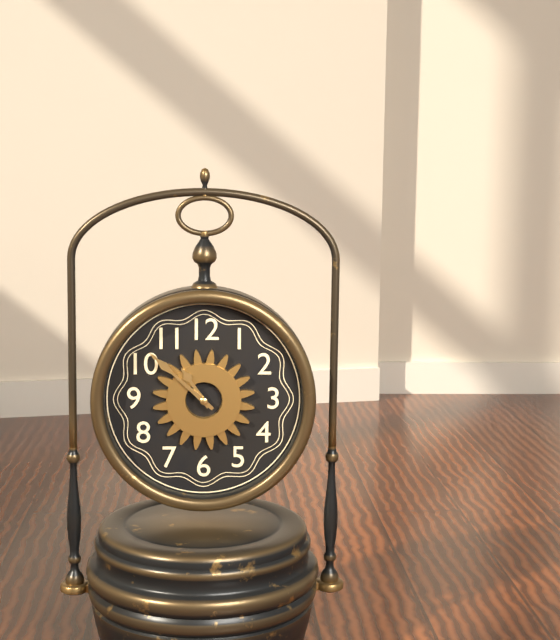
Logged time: h=10 m=52
